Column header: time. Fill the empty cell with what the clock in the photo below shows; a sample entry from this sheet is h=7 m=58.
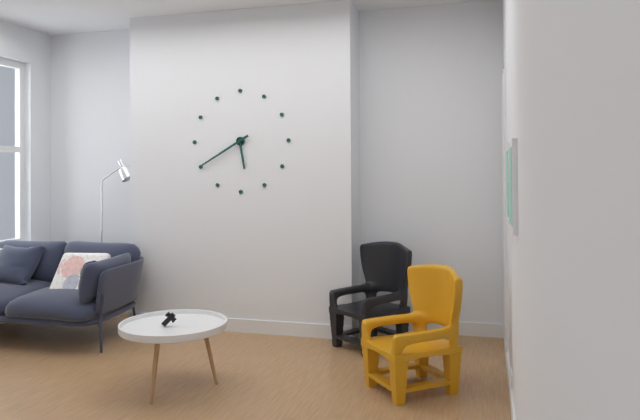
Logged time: h=5 m=40
